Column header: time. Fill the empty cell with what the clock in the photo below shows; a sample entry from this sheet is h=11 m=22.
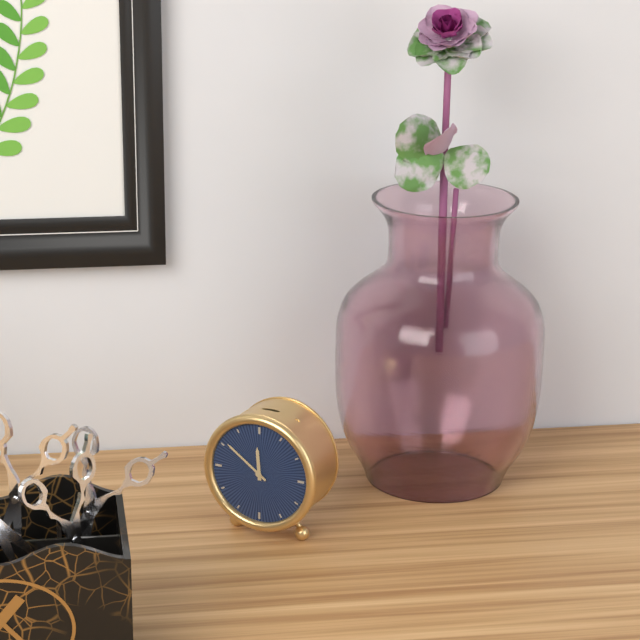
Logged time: h=11 m=51
